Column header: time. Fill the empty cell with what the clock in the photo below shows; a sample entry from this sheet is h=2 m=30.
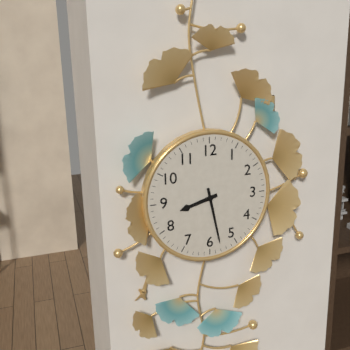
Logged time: h=8 m=28
